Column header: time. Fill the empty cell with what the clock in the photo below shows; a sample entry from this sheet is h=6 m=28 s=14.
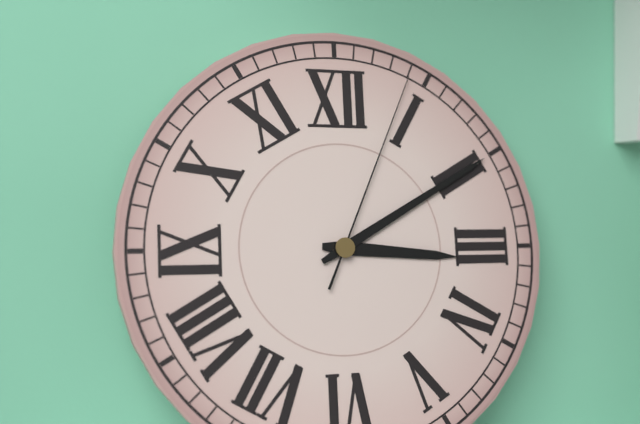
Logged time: h=3 m=10 s=4
